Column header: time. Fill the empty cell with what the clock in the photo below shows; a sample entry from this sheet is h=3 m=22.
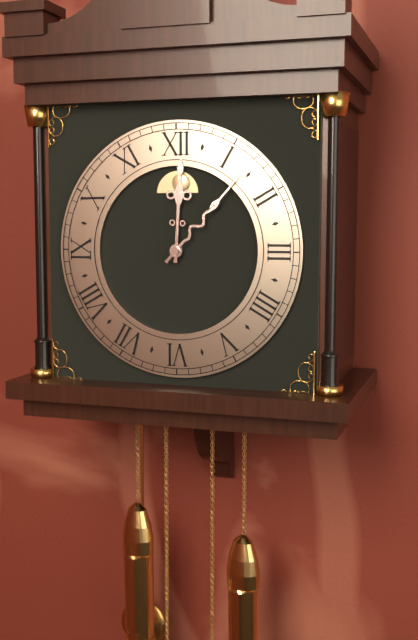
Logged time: h=12 m=7
